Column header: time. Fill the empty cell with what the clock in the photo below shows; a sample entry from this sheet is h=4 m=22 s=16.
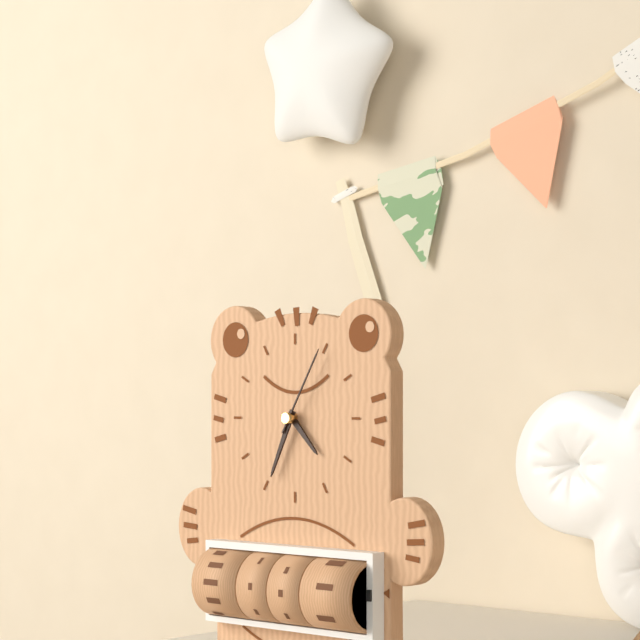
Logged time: h=4 m=34 s=5
